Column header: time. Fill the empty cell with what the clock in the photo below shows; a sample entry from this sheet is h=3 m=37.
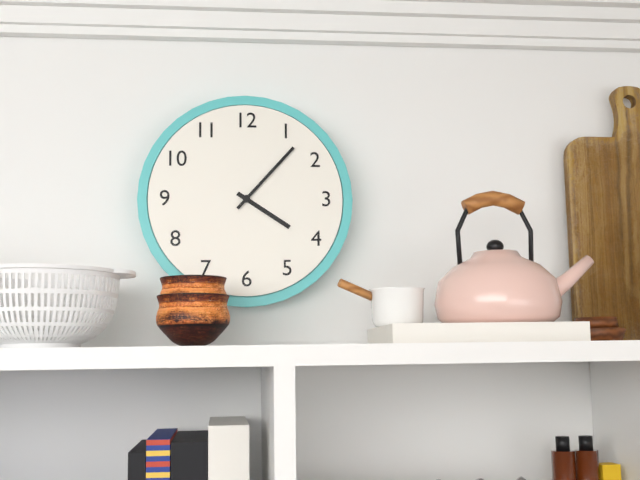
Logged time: h=4 m=7
